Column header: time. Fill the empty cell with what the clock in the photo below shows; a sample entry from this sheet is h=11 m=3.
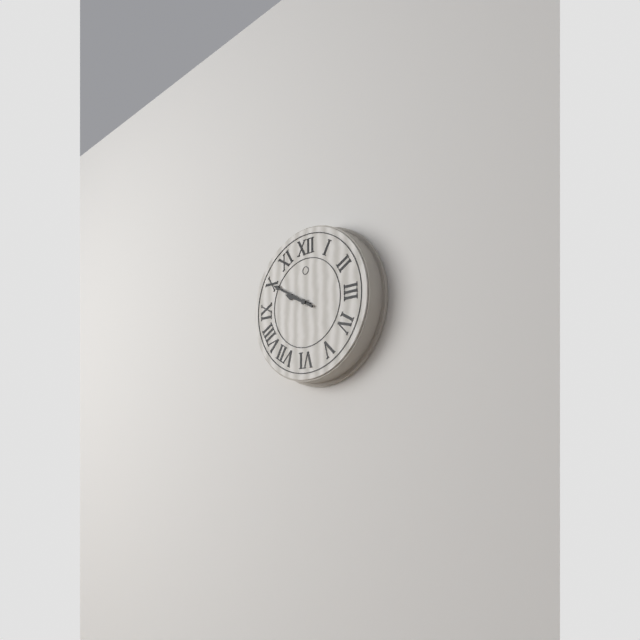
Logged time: h=9 m=50
